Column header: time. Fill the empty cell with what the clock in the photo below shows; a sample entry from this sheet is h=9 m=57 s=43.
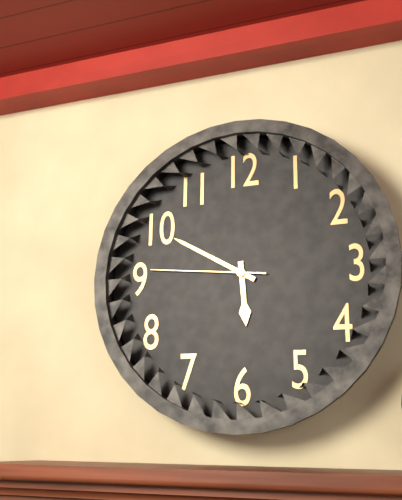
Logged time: h=5 m=50 s=46
